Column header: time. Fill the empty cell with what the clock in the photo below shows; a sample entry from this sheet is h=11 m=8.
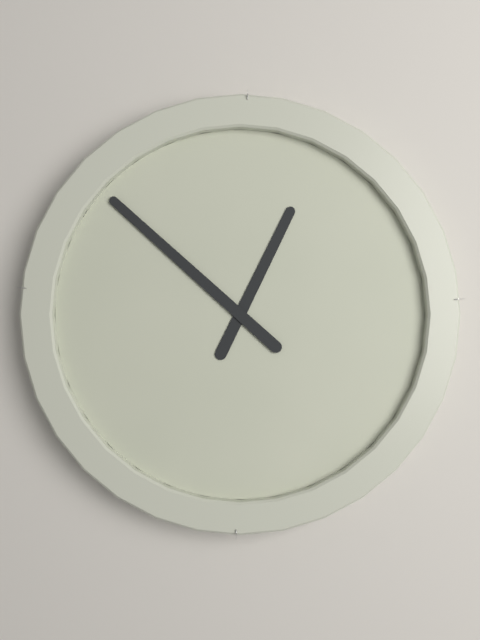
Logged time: h=12 m=52
